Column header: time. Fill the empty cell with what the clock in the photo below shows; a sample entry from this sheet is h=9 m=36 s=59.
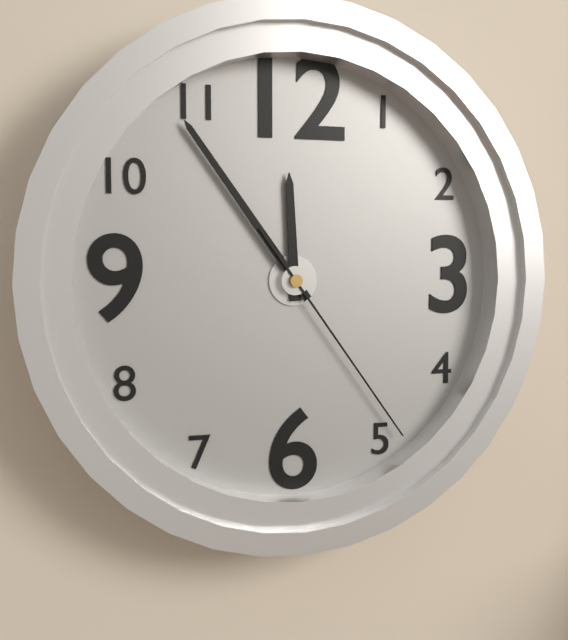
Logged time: h=11 m=54 s=24
